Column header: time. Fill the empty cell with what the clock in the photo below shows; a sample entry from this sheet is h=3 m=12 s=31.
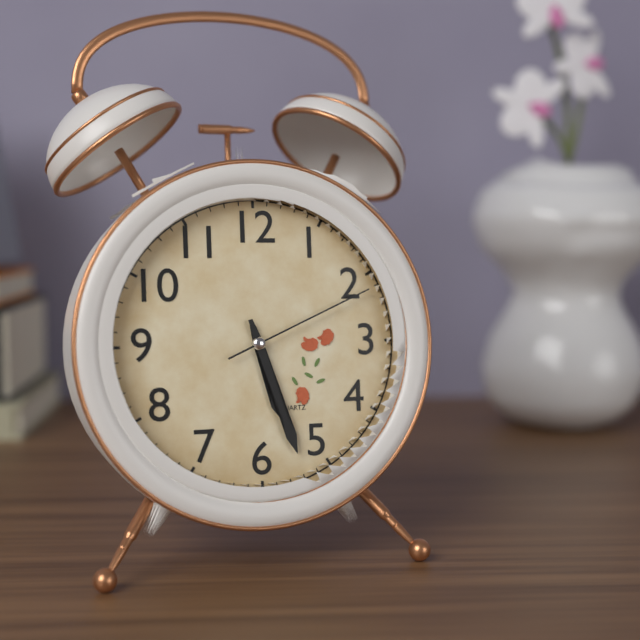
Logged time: h=5 m=27 s=11
